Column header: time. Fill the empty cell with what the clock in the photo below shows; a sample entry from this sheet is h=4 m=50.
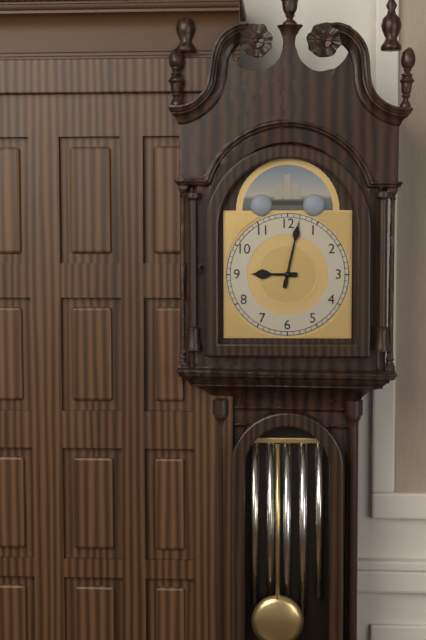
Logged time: h=9 m=2
